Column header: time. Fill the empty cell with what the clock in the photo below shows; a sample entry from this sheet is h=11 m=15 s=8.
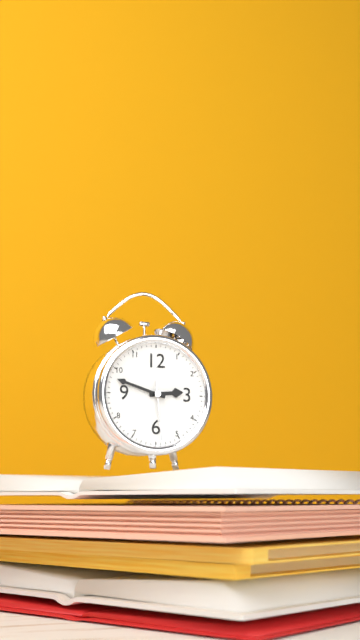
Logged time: h=2 m=48 s=29
